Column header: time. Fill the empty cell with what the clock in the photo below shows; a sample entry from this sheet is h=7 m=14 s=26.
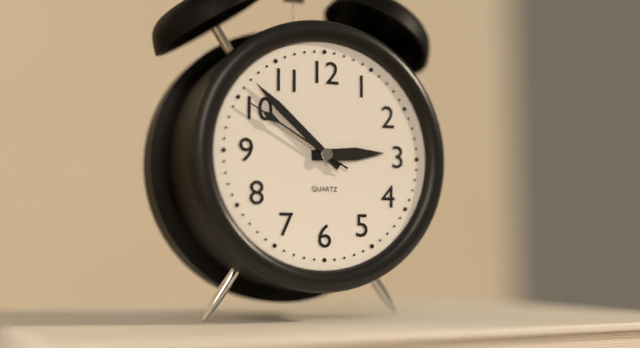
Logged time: h=2 m=52 s=50
